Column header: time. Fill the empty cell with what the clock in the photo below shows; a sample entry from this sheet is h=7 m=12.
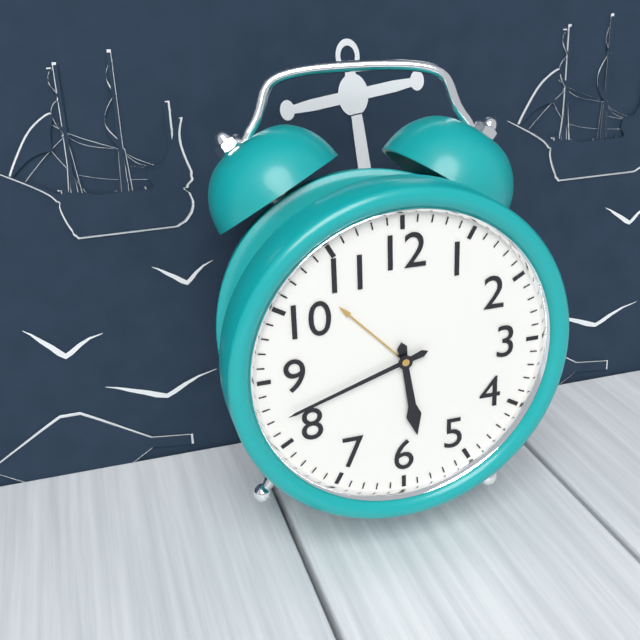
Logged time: h=5 m=42
